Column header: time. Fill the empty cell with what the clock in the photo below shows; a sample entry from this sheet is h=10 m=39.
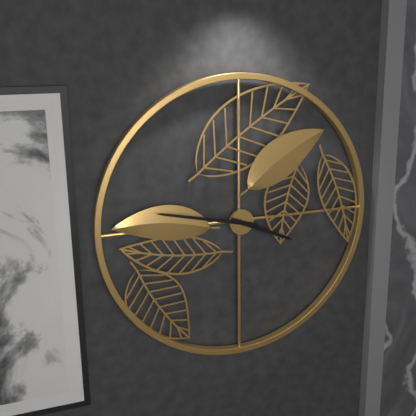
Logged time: h=3 m=47
